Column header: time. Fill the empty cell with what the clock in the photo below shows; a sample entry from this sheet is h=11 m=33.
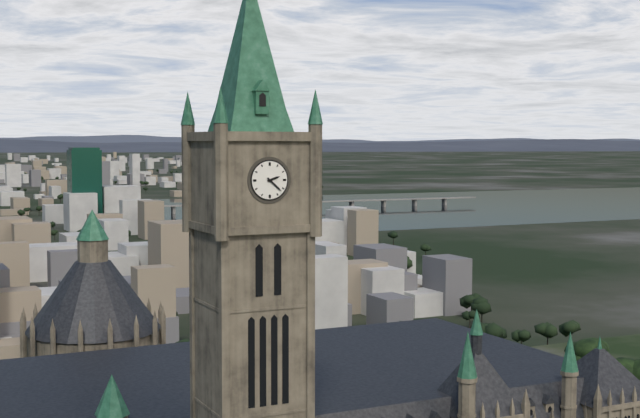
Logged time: h=2 m=22
